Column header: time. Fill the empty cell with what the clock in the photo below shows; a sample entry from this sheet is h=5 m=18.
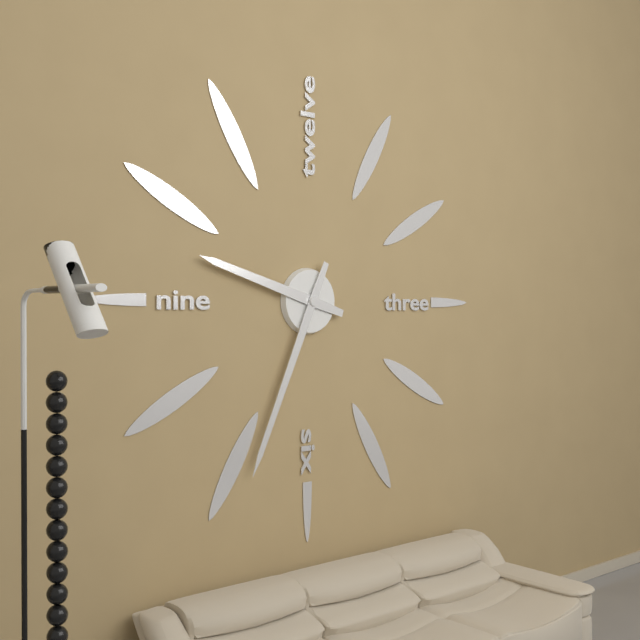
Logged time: h=9 m=34
